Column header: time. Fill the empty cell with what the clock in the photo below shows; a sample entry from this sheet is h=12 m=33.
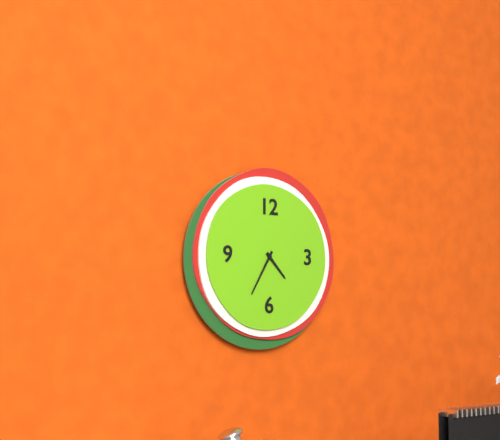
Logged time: h=4 m=35
